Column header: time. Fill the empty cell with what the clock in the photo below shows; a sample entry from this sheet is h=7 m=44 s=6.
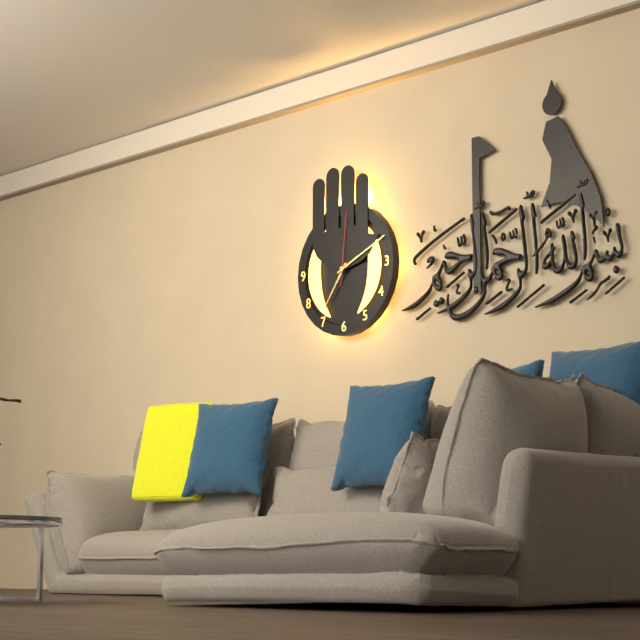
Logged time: h=7 m=11 s=1
